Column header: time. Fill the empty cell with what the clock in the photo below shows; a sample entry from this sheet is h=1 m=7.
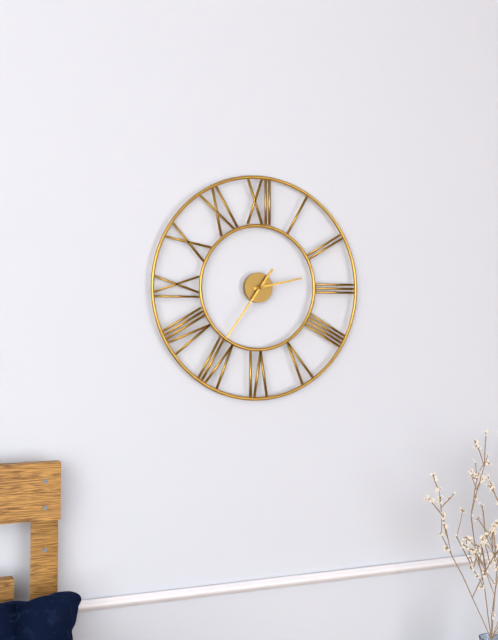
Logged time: h=2 m=36
